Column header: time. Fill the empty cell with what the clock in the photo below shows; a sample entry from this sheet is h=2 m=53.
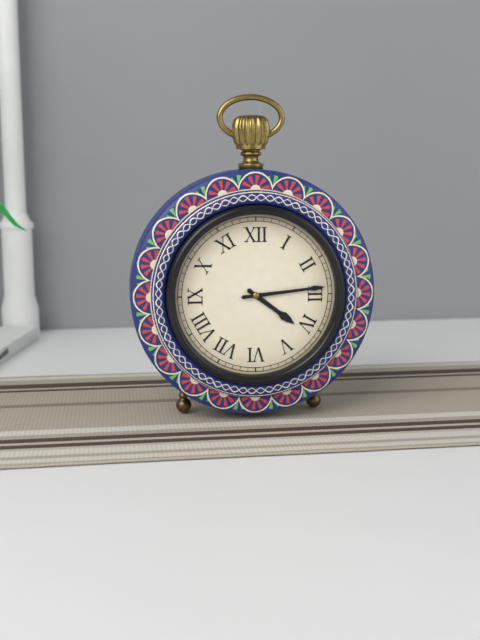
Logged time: h=4 m=14
